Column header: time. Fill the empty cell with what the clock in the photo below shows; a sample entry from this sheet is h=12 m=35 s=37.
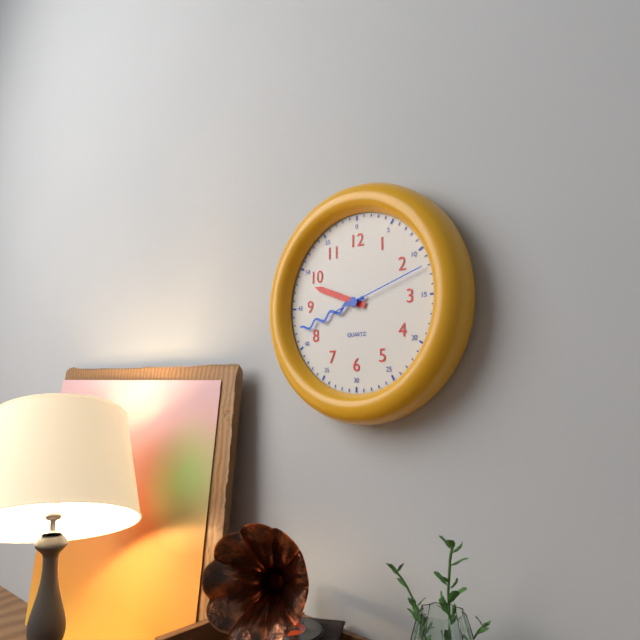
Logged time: h=9 m=42 s=12
